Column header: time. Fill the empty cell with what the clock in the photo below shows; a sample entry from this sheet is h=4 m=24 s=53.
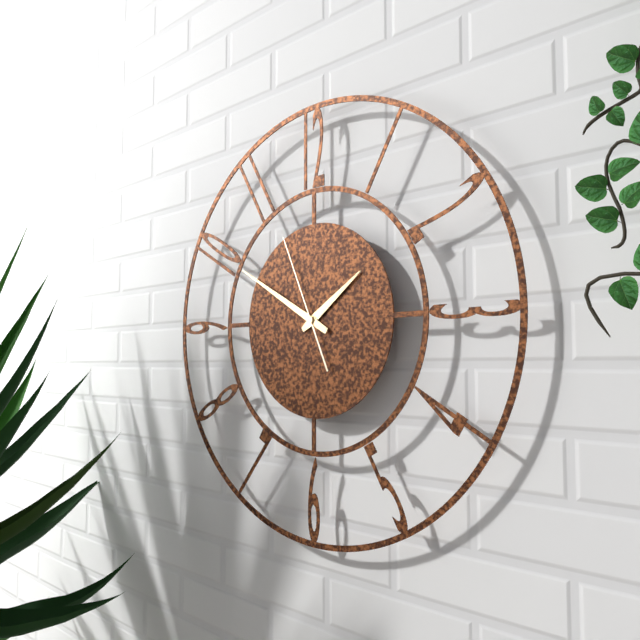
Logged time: h=1 m=50 s=56
